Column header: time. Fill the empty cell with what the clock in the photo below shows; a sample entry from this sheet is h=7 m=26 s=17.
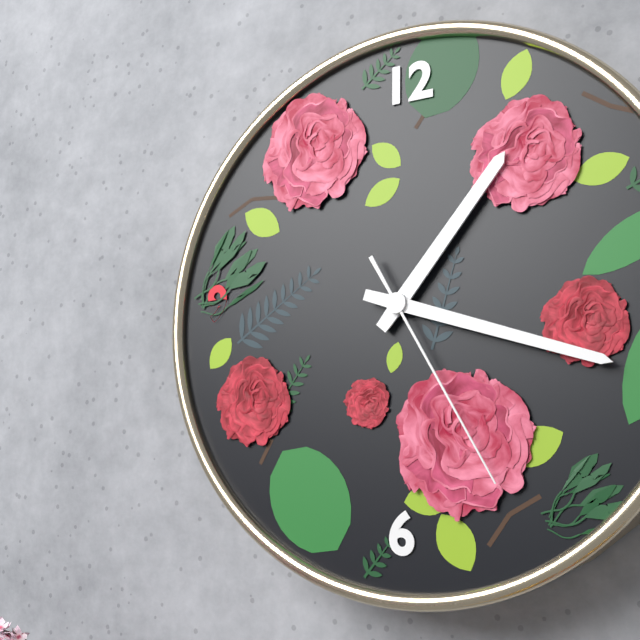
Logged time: h=1 m=18 s=25
